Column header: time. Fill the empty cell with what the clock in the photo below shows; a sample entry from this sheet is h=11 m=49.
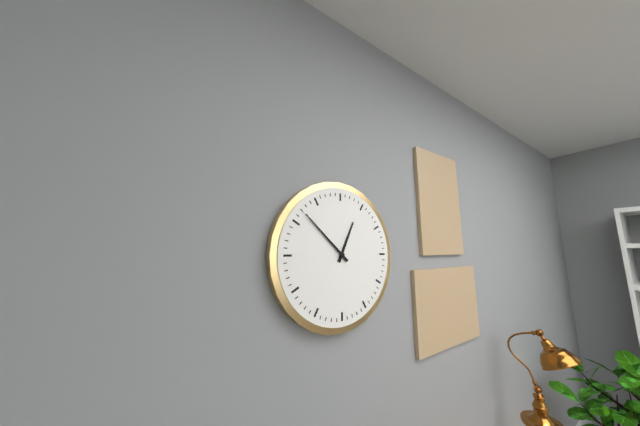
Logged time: h=12 m=52
